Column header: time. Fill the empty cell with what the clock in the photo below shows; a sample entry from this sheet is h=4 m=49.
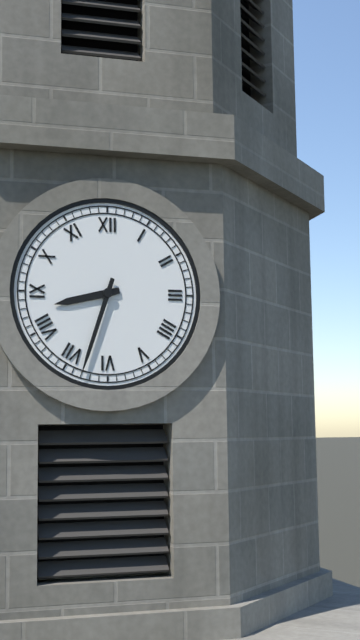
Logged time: h=8 m=33
